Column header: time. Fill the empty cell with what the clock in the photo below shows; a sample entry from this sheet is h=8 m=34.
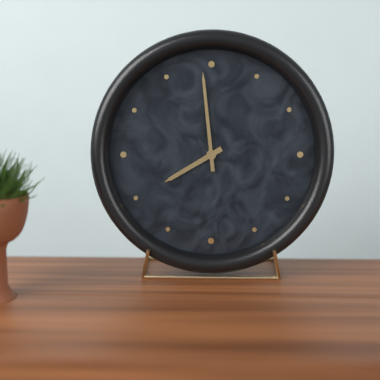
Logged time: h=7 m=59
